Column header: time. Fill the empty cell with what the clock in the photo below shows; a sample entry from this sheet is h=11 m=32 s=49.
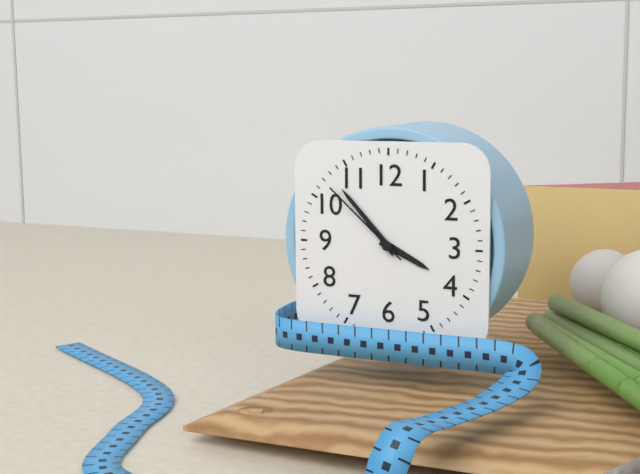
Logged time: h=3 m=53 s=52
